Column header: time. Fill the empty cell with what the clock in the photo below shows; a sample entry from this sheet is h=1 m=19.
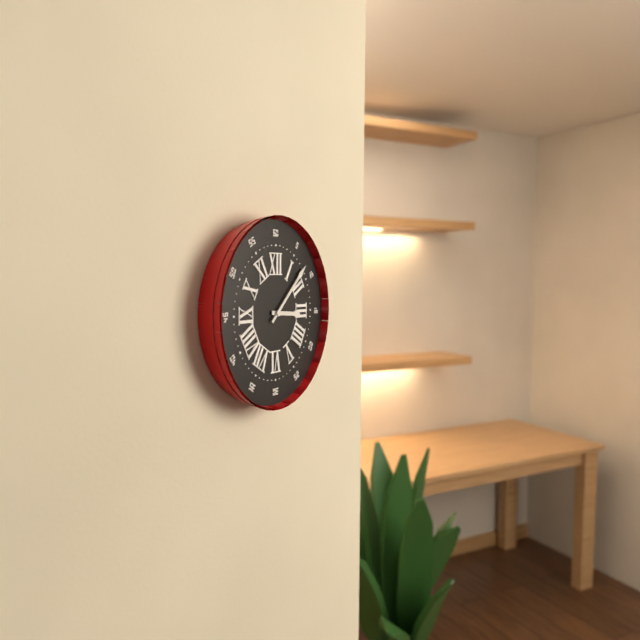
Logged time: h=3 m=8
